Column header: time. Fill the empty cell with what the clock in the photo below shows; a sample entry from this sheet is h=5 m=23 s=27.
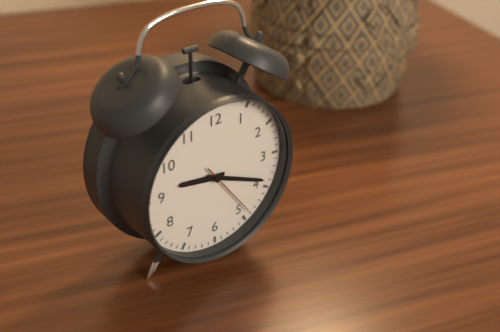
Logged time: h=9 m=19 s=24
